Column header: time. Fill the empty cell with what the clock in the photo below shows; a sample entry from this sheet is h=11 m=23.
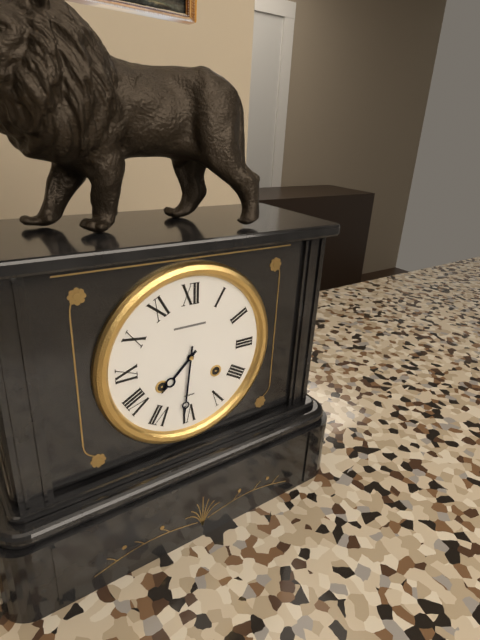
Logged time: h=7 m=31
